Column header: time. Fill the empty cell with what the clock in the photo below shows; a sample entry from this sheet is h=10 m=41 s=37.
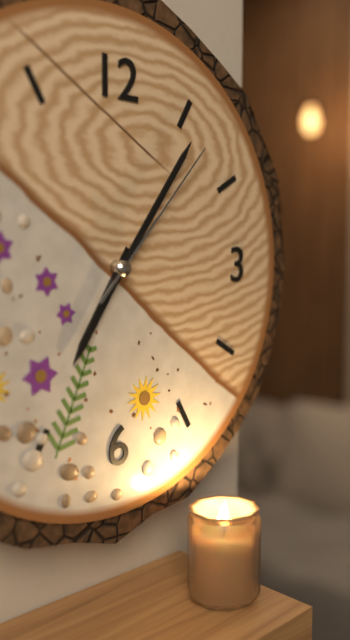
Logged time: h=7 m=6 s=7
